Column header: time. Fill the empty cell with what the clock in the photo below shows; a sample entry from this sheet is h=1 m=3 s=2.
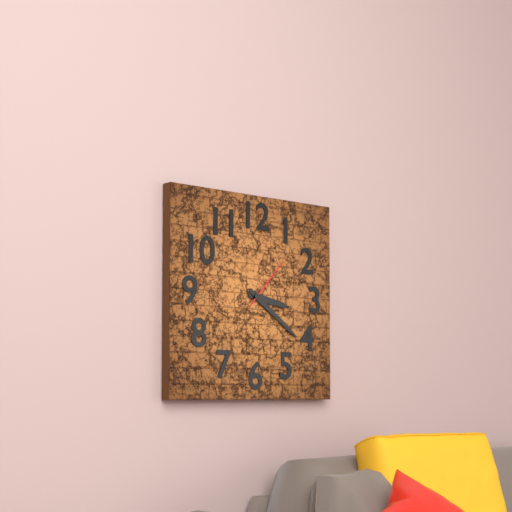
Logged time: h=3 m=21 s=7
